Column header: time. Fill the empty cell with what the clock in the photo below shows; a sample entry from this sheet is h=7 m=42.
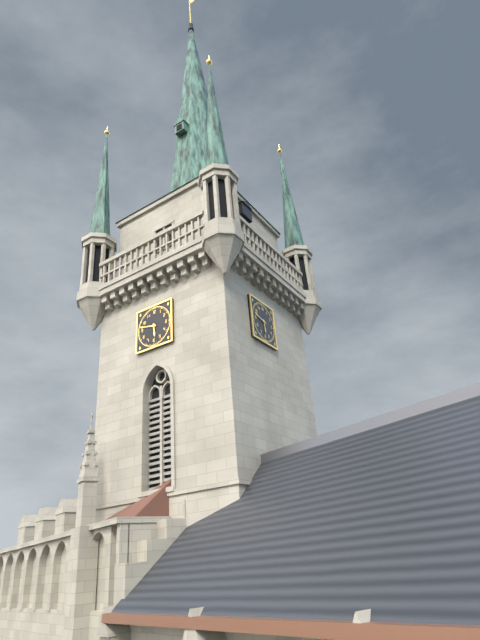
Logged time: h=5 m=47
